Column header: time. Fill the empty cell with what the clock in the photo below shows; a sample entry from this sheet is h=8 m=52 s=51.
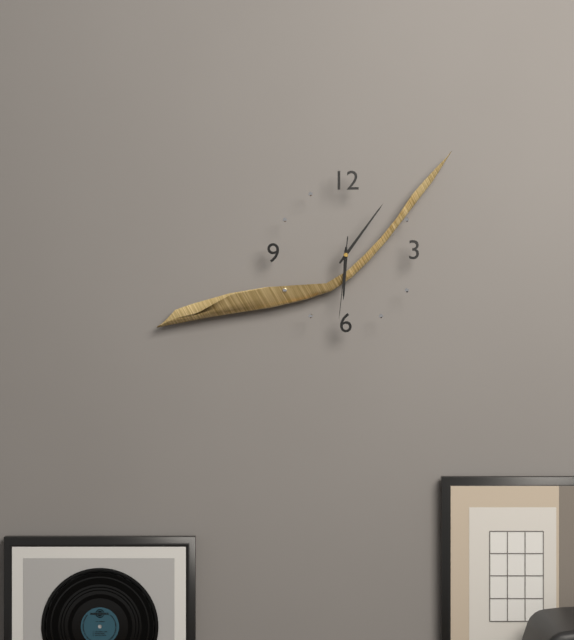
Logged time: h=6 m=6 s=31
